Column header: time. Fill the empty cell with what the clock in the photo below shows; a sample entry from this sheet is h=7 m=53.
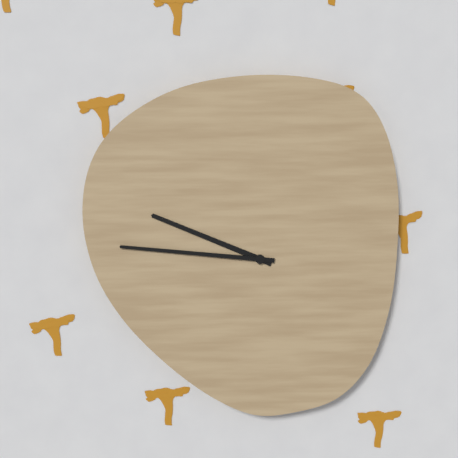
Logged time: h=9 m=46
